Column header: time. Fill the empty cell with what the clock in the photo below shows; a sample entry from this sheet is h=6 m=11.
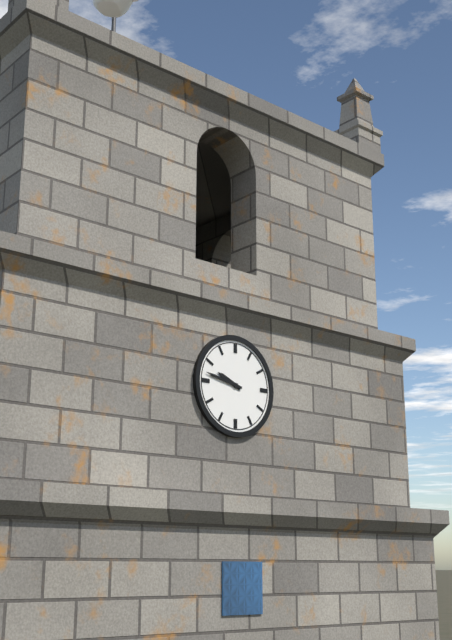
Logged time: h=9 m=47
